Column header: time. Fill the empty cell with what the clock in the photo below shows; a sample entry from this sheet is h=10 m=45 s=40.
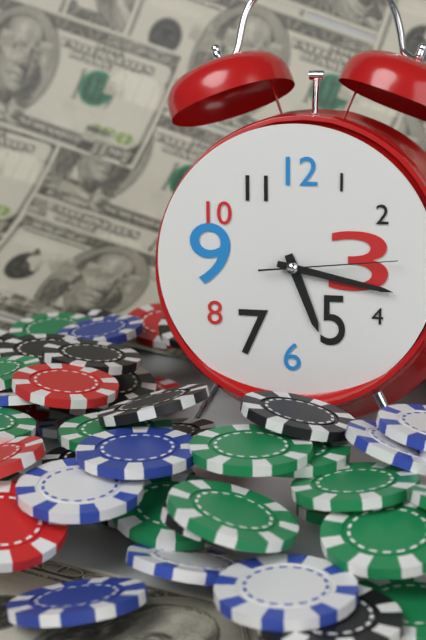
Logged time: h=5 m=17 s=14
